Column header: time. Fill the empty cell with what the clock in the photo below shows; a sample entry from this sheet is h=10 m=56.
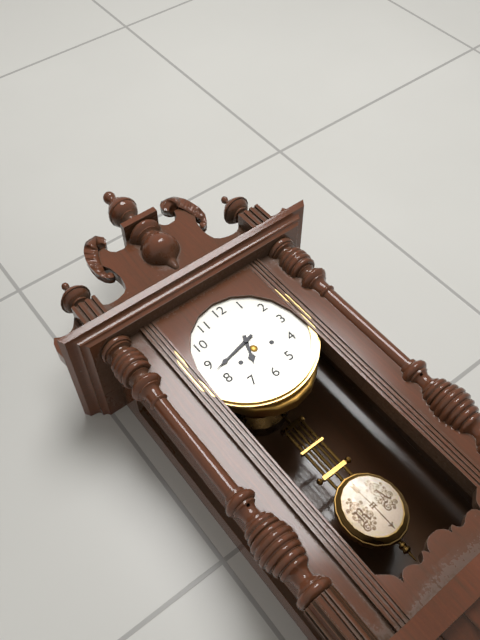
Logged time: h=6 m=43
